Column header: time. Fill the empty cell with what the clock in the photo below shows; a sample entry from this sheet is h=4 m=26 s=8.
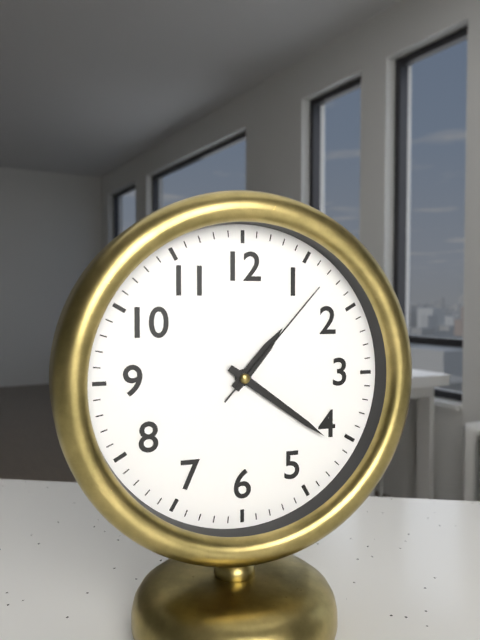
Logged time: h=1 m=21 s=7
